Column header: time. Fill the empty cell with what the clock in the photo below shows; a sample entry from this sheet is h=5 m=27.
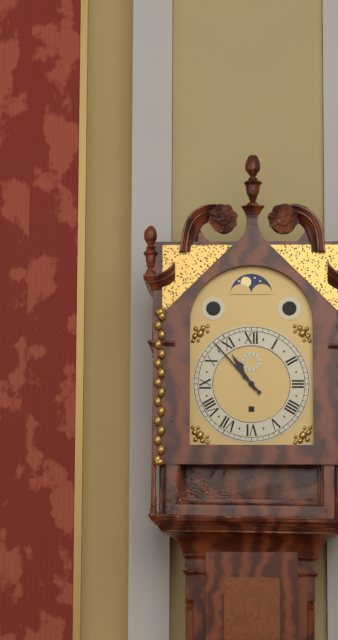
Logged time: h=10 m=53
